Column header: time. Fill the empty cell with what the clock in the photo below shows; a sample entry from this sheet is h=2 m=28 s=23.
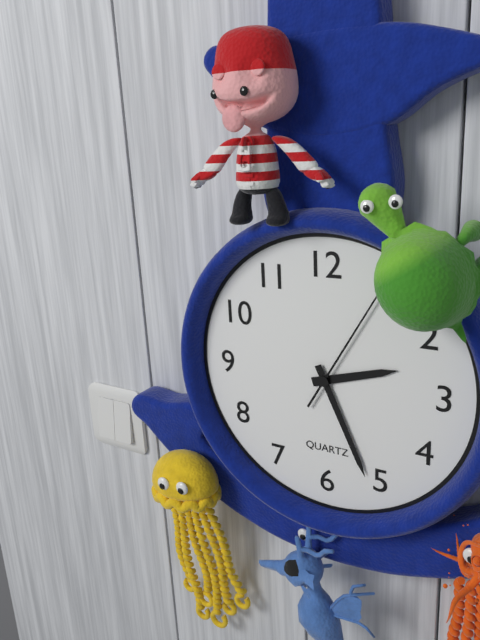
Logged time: h=2 m=26 s=5
